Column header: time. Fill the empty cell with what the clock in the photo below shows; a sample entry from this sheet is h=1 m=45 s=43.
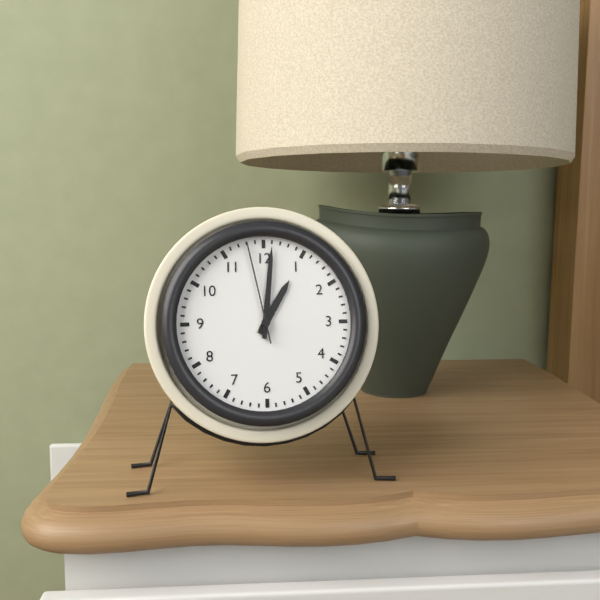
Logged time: h=1 m=1 s=58
